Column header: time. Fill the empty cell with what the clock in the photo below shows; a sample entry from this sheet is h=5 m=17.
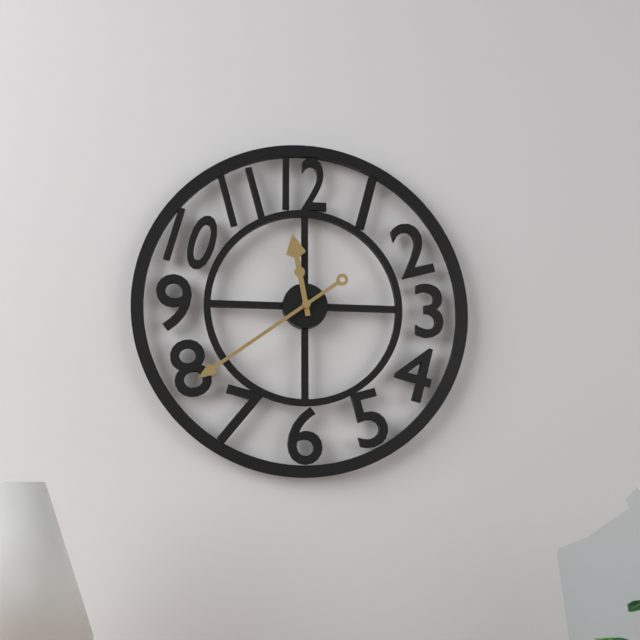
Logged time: h=11 m=39
